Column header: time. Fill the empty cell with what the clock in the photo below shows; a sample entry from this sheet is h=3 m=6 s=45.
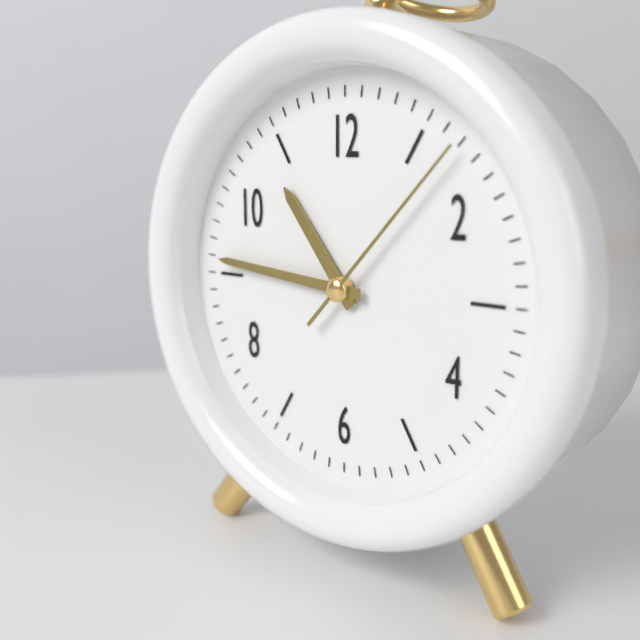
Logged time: h=10 m=46 s=7
